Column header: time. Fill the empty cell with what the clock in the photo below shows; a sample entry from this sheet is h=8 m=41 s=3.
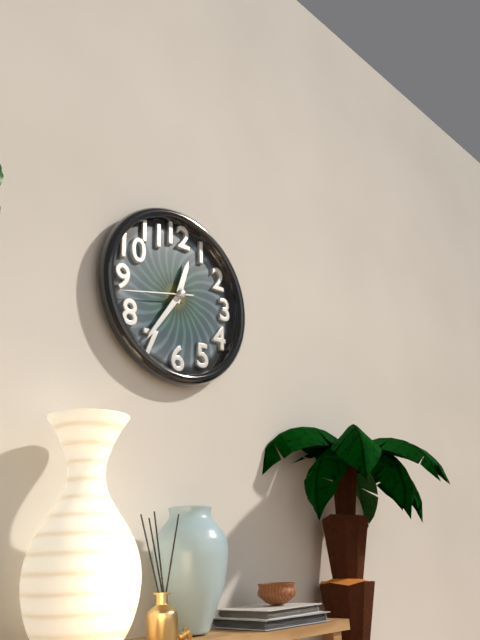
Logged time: h=12 m=36 s=43
